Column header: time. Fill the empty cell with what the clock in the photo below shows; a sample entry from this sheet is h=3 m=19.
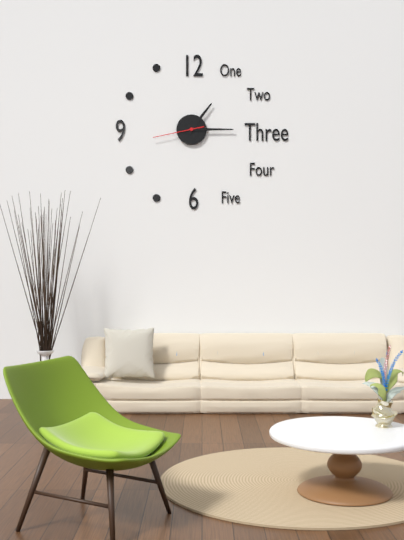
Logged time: h=1 m=15
